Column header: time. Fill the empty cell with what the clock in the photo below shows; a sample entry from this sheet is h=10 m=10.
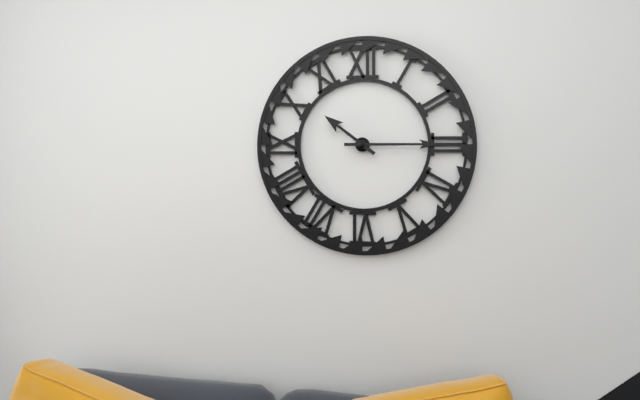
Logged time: h=10 m=15
